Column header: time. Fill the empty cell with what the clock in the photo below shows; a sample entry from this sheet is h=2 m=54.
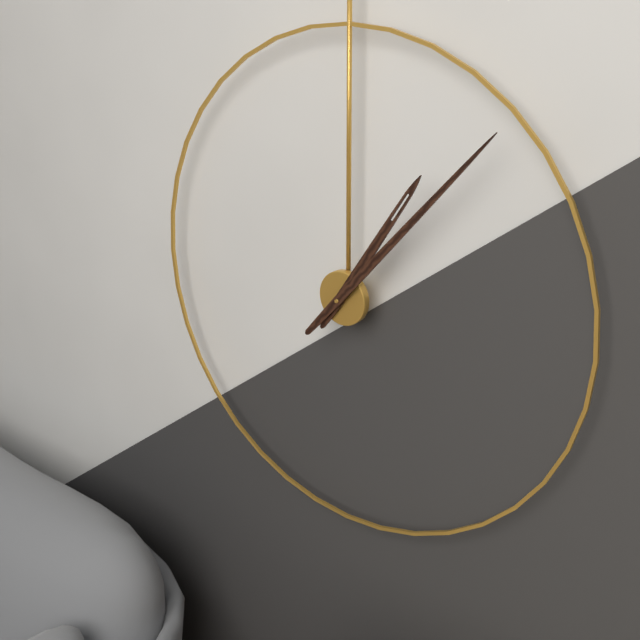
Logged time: h=1 m=7
